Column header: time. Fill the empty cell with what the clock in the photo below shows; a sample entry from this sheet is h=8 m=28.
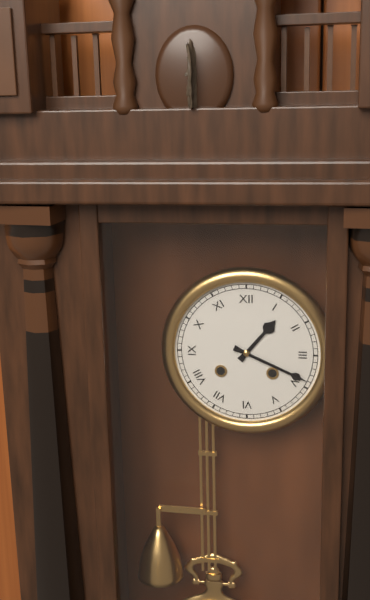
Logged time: h=1 m=19
